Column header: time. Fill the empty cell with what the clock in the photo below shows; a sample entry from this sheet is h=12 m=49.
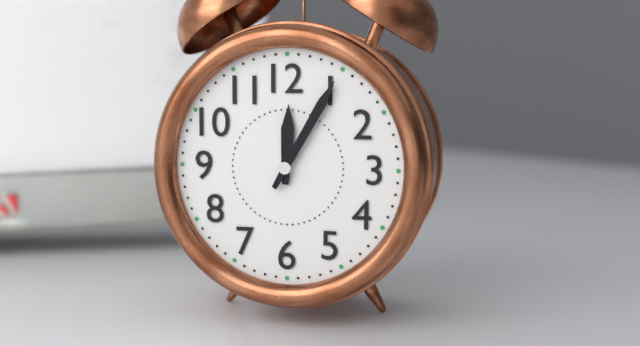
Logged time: h=12 m=5
